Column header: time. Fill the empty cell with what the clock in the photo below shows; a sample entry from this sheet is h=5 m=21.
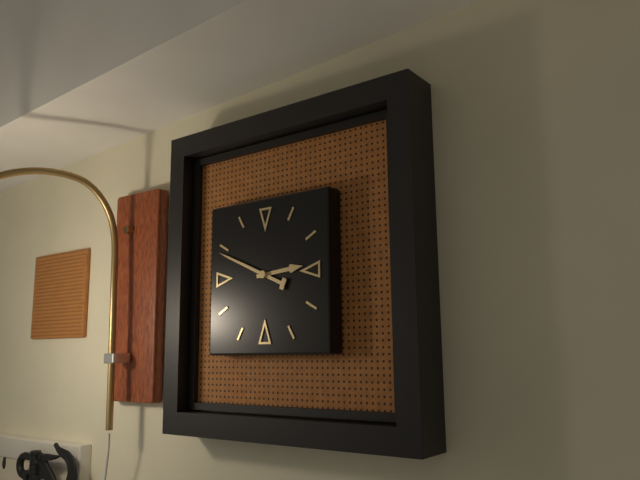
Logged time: h=2 m=49
